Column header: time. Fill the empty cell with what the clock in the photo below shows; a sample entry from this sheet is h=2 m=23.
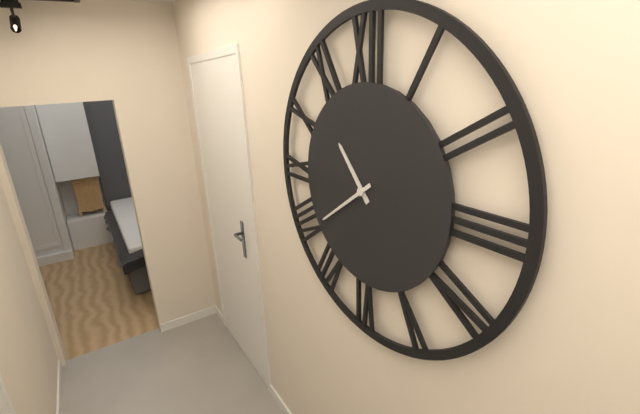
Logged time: h=10 m=39
